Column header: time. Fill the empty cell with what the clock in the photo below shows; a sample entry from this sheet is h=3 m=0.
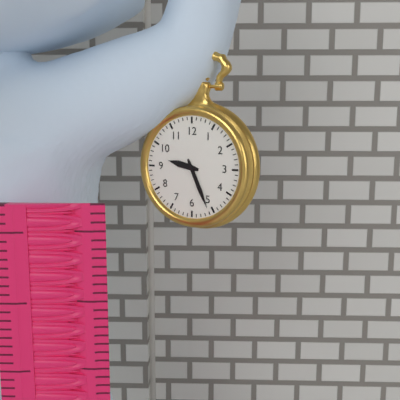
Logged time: h=9 m=26
